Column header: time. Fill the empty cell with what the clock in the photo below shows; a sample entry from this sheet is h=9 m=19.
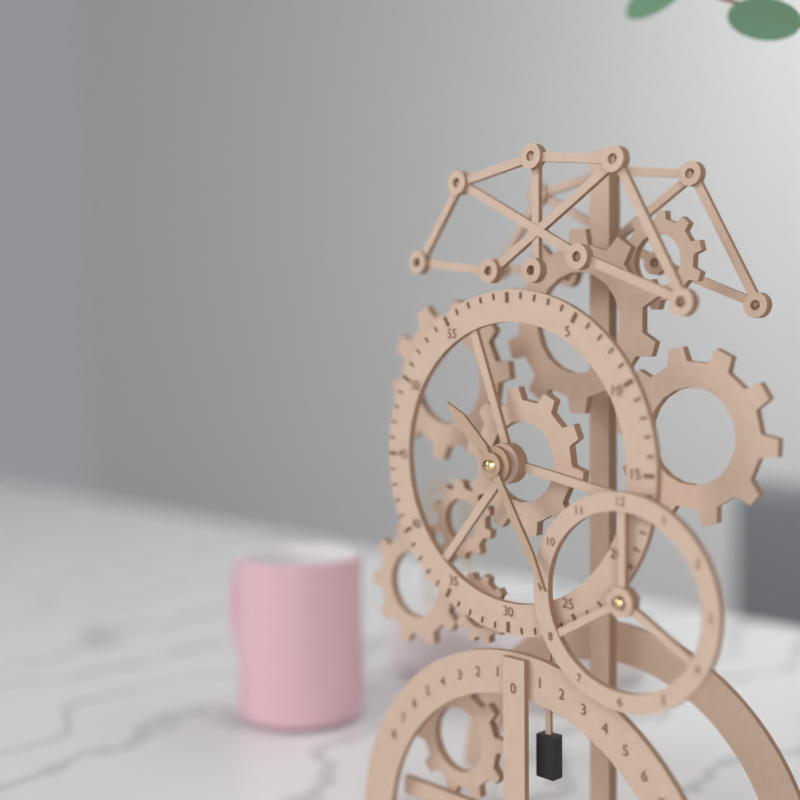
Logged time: h=10 m=25
